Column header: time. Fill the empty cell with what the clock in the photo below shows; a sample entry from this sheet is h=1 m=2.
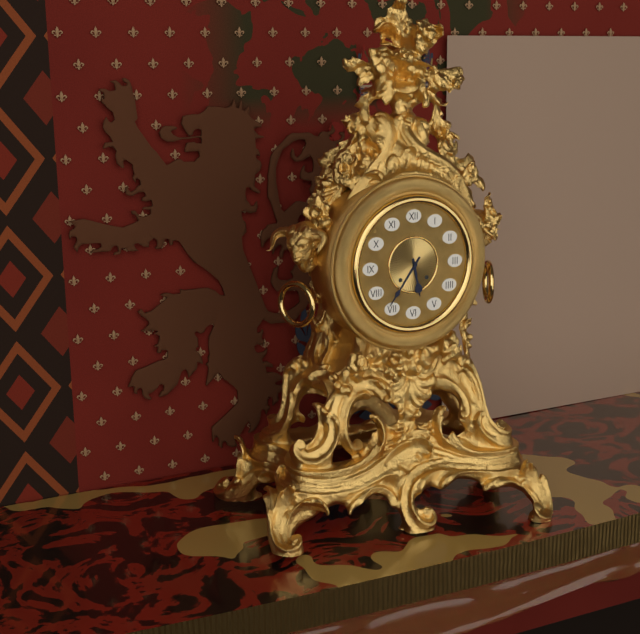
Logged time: h=5 m=36
